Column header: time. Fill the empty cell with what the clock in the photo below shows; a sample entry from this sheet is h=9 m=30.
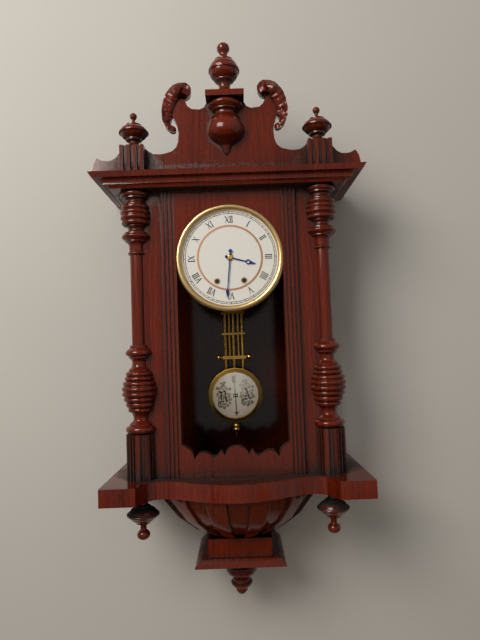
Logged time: h=3 m=31
